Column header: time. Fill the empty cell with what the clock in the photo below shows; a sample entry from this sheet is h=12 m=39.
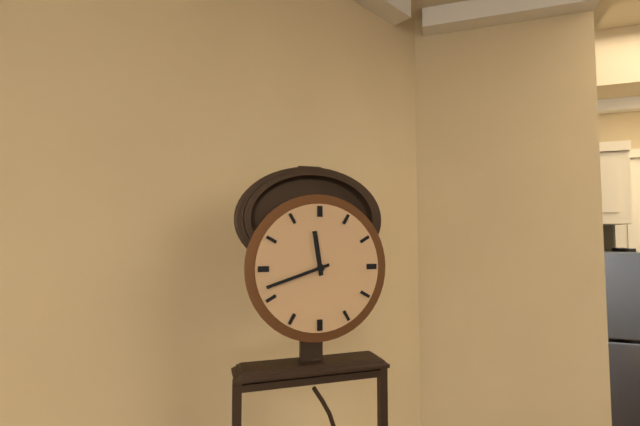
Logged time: h=11 m=42
